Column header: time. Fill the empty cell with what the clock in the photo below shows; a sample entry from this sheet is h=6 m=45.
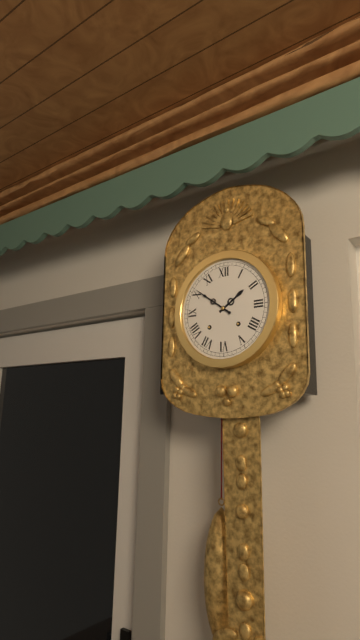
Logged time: h=1 m=51
